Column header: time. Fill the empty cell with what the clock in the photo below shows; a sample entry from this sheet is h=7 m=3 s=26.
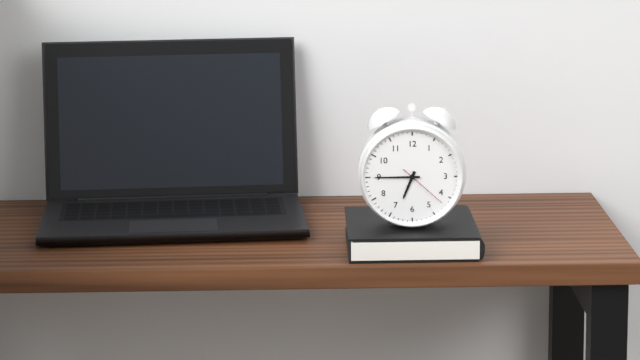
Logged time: h=6 m=45 s=22
